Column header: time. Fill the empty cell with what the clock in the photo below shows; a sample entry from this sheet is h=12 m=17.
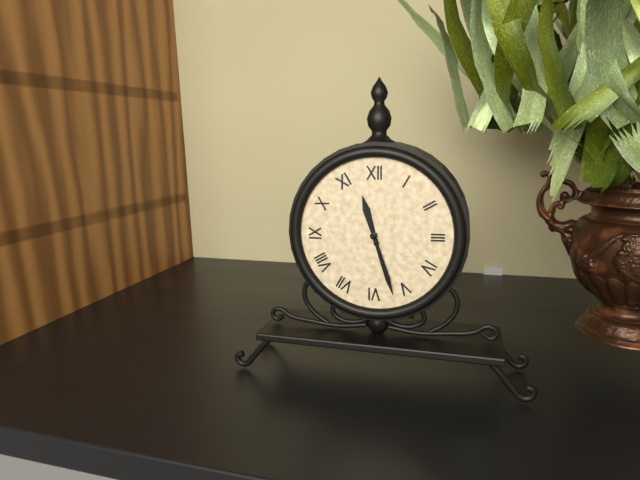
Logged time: h=11 m=27
